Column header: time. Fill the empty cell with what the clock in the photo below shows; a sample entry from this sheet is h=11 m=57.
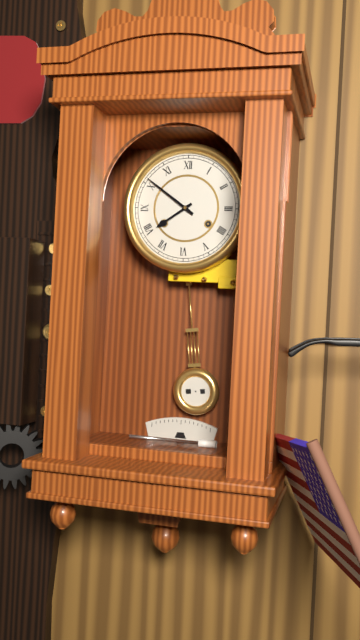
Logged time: h=7 m=51
